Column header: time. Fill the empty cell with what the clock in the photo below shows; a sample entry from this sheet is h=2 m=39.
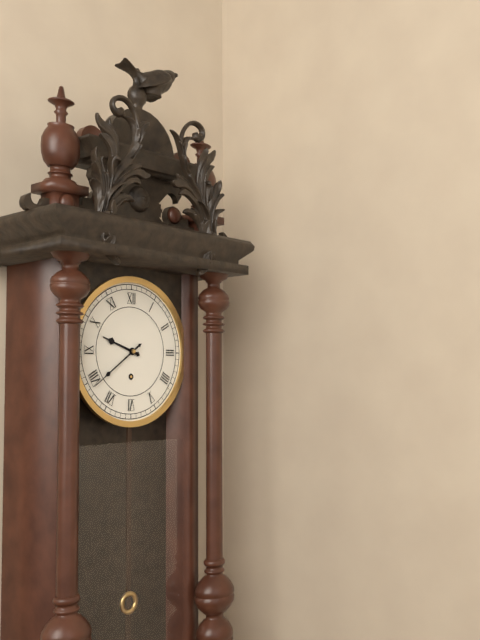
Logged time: h=9 m=39
